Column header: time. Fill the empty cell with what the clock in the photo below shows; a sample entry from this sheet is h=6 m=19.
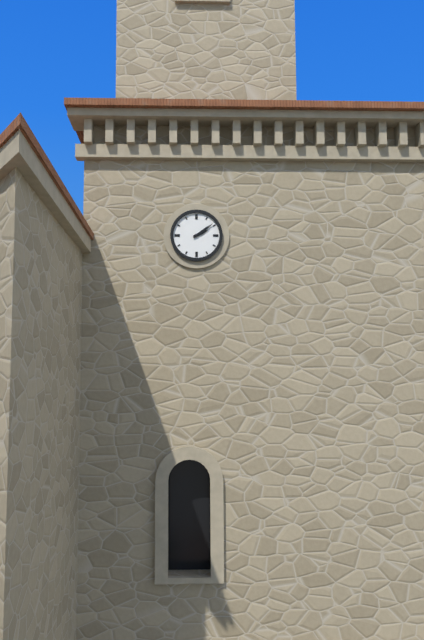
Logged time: h=2 m=9
